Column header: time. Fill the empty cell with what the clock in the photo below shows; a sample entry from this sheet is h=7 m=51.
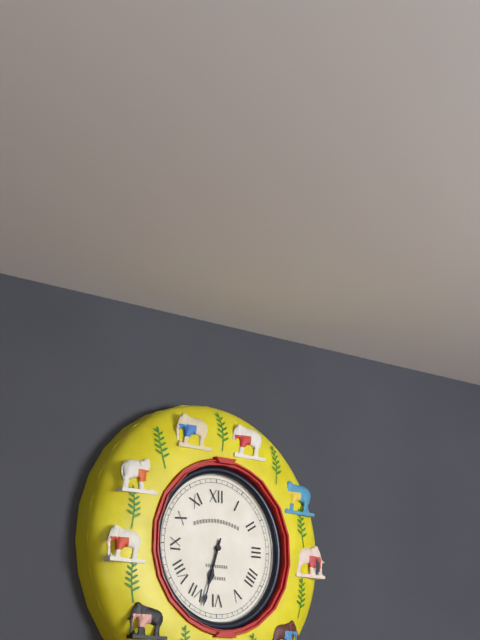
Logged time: h=6 m=33
